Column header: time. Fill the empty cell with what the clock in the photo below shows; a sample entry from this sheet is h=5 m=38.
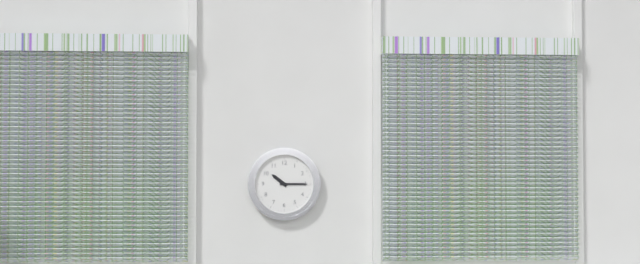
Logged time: h=10 m=15
